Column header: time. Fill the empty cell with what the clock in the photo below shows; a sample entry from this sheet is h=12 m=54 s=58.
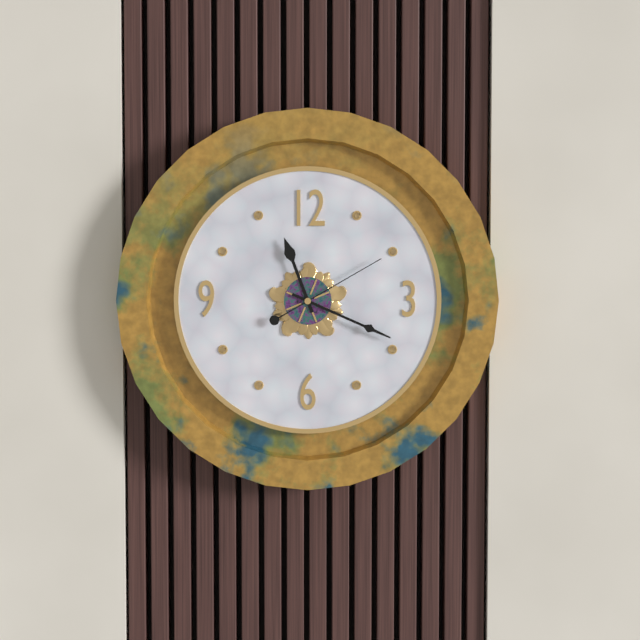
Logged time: h=11 m=19 s=10
